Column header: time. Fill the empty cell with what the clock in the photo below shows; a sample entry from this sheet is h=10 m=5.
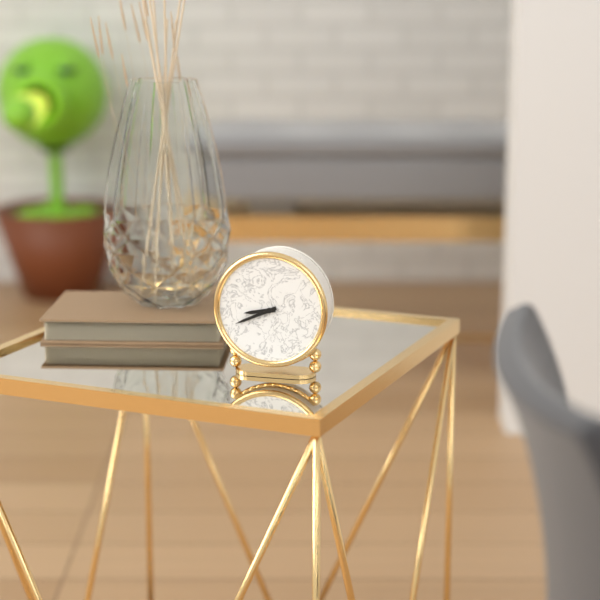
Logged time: h=8 m=41
